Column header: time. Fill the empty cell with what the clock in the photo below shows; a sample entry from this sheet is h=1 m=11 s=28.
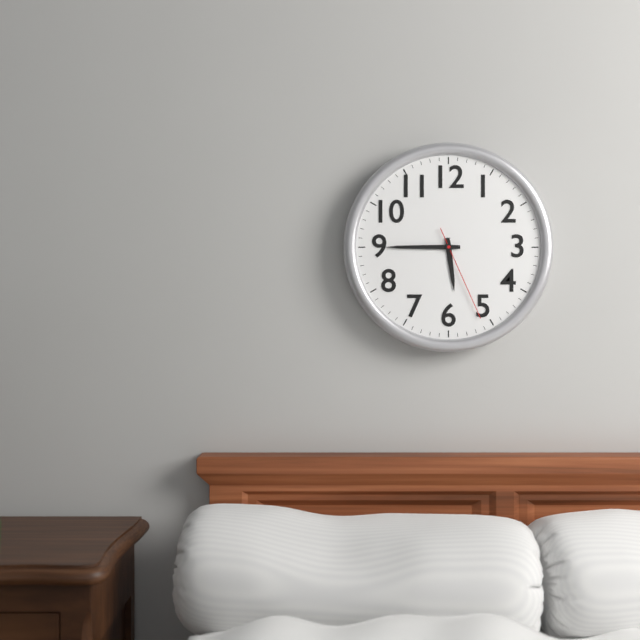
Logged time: h=5 m=45 s=26
